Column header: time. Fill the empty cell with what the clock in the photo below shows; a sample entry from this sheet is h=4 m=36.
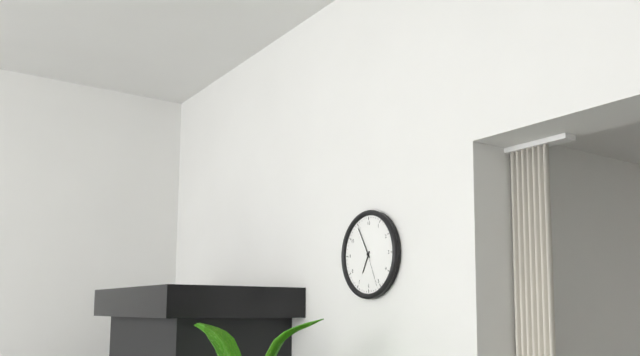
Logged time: h=6 m=55
